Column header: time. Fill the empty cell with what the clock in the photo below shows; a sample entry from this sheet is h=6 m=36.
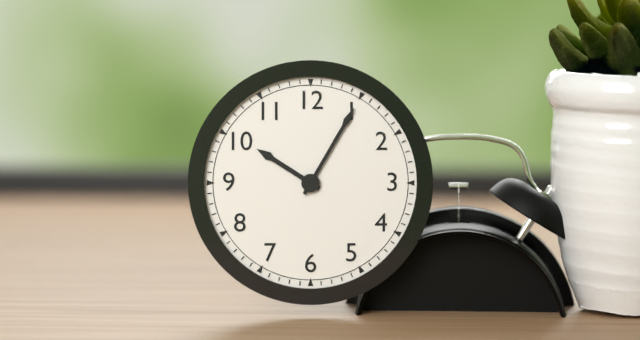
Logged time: h=10 m=5
